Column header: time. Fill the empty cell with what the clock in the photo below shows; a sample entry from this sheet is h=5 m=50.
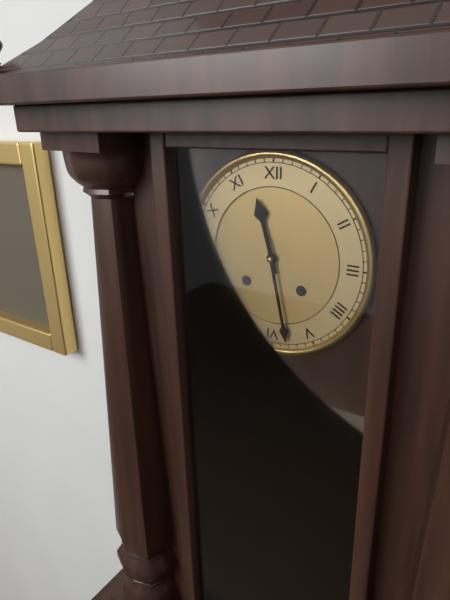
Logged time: h=11 m=28
